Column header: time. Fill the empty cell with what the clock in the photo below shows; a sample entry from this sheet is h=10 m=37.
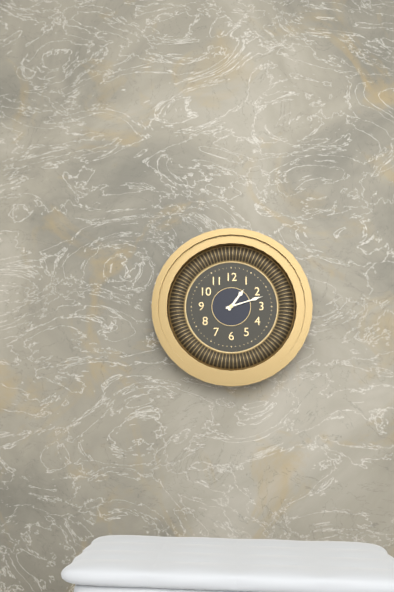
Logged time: h=1 m=12
